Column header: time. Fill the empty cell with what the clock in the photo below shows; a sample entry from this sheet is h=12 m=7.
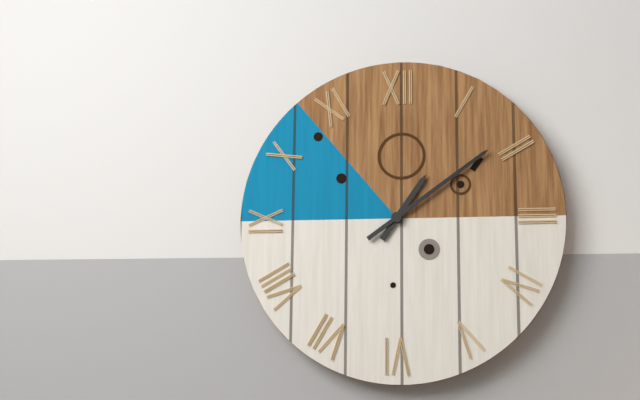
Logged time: h=1 m=9
